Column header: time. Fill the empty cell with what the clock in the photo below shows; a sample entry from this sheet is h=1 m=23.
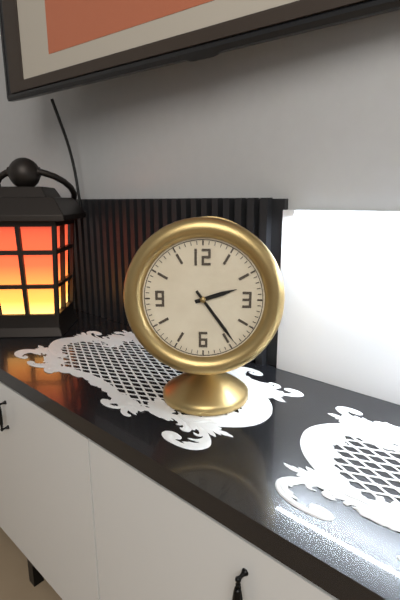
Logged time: h=2 m=24
